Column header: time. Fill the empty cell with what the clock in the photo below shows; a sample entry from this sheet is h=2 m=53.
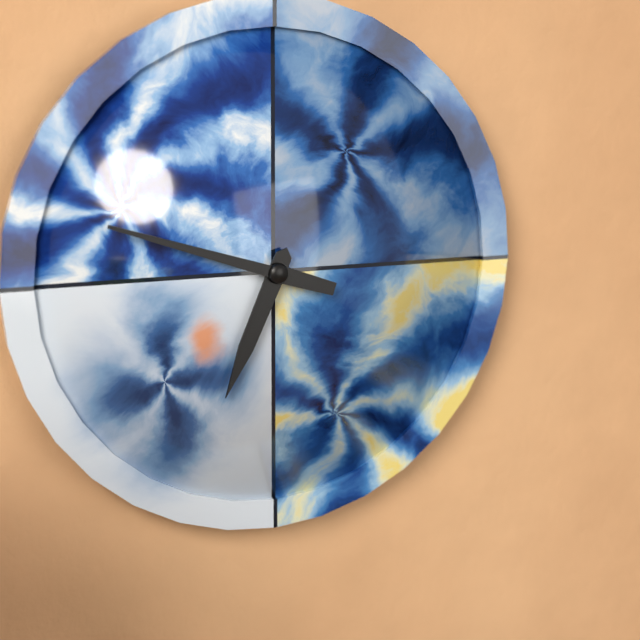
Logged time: h=6 m=48
